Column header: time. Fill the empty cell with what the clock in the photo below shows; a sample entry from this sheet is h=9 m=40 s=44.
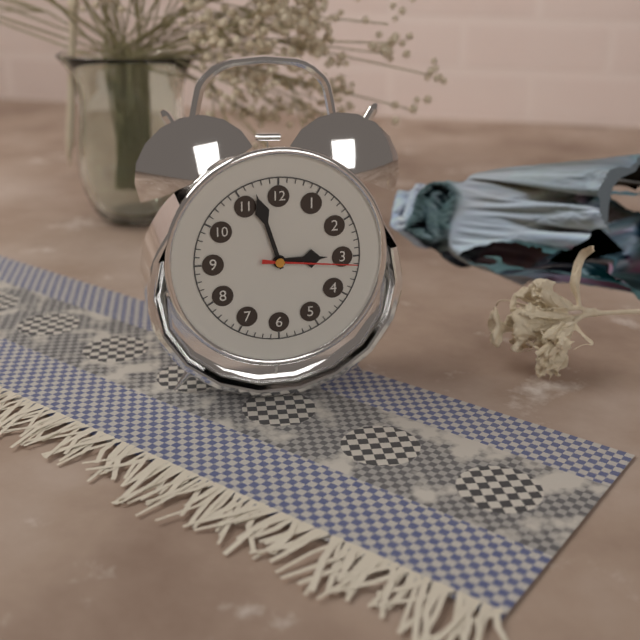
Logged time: h=2 m=57 s=16
